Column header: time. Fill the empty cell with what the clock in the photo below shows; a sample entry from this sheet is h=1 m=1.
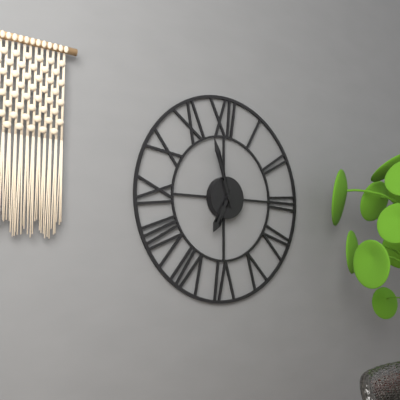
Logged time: h=6 m=57
